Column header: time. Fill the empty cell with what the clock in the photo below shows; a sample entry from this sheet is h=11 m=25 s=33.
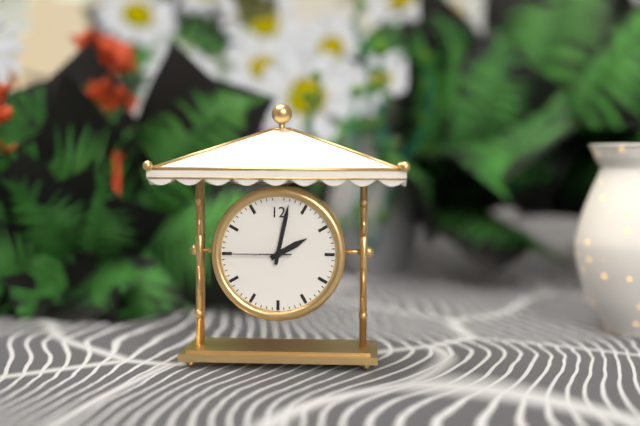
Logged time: h=2 m=2 s=45
